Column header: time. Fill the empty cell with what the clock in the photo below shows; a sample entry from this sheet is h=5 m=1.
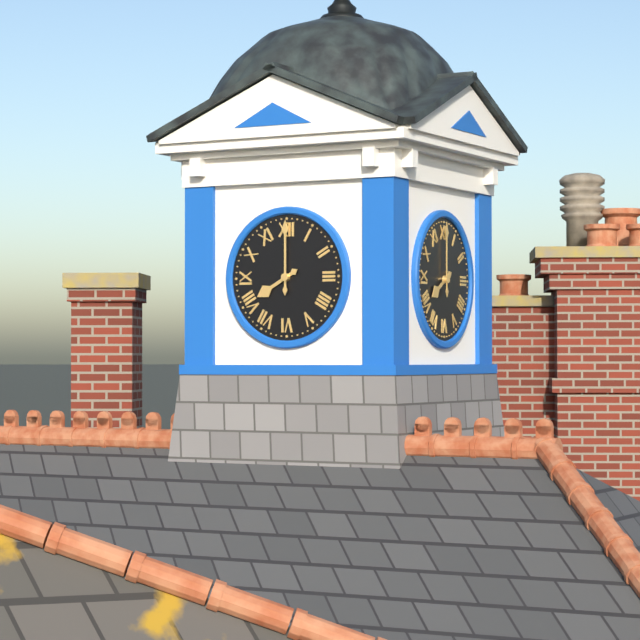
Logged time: h=8 m=0
